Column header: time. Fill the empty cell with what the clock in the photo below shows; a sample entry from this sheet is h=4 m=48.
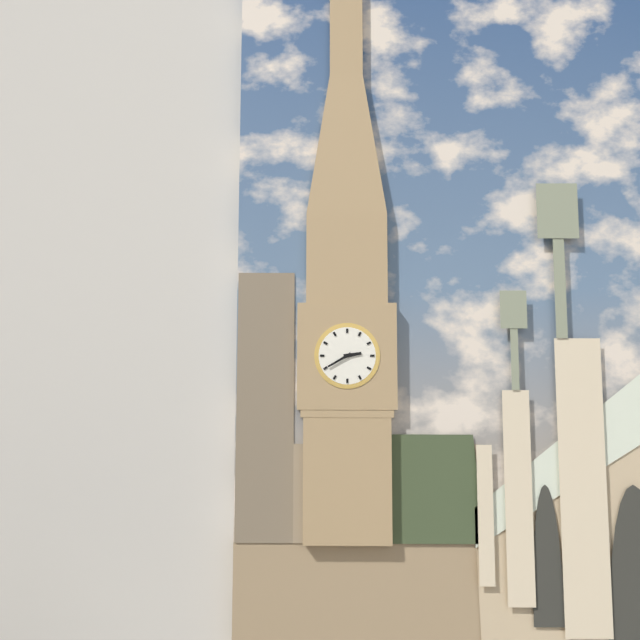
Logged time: h=2 m=40
